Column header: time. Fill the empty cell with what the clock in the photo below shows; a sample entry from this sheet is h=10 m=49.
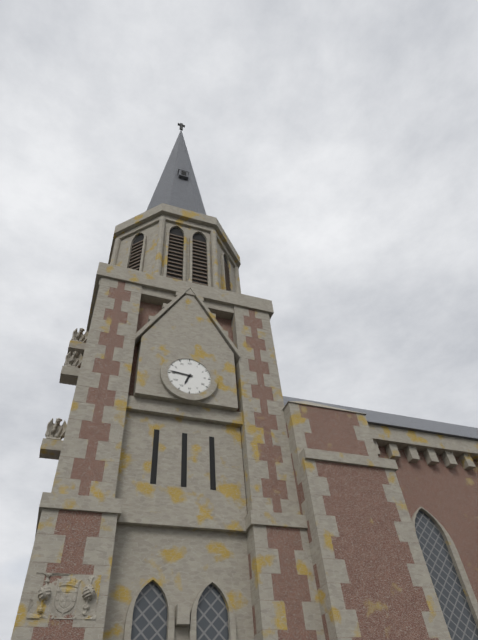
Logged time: h=6 m=46
